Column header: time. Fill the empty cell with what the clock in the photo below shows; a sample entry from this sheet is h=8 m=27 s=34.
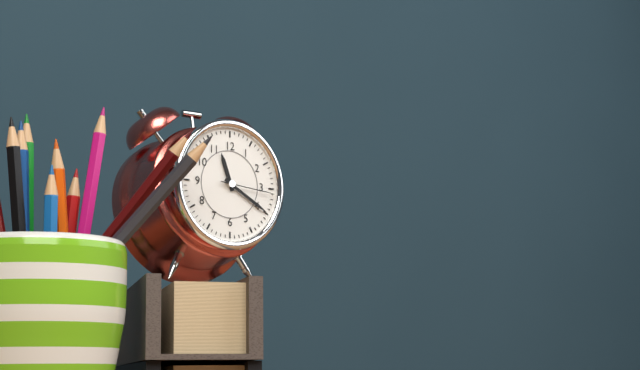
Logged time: h=11 m=20 s=16
